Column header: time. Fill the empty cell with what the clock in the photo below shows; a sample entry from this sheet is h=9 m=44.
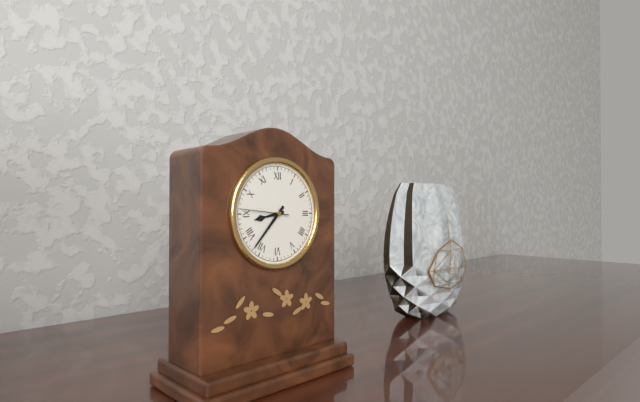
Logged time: h=8 m=37
